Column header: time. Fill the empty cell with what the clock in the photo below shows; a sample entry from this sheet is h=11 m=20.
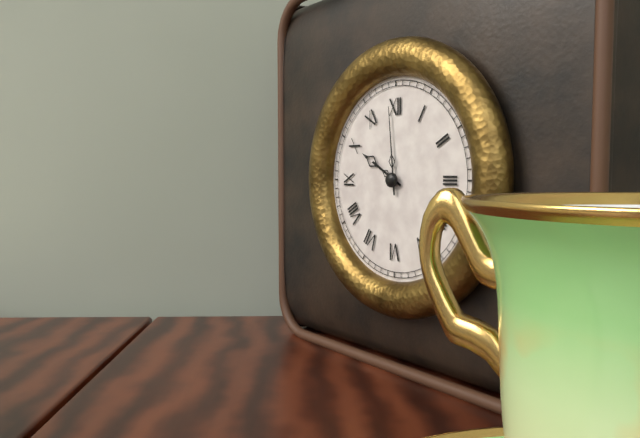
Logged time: h=9 m=59
